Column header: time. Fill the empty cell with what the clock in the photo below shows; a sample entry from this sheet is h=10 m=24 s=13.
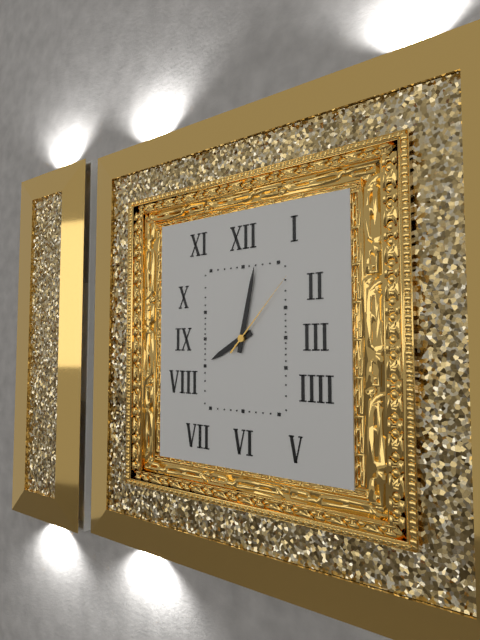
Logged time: h=8 m=2 s=7
